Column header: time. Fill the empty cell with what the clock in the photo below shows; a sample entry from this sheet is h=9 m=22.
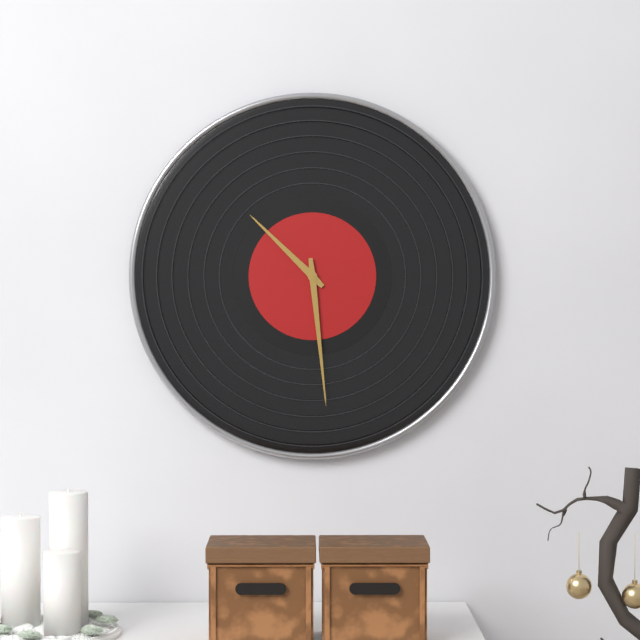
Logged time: h=10 m=29
